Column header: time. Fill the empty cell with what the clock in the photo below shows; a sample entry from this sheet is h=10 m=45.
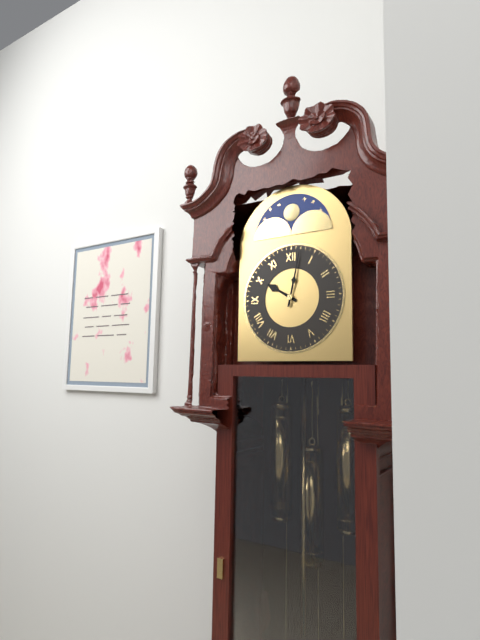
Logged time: h=10 m=2
